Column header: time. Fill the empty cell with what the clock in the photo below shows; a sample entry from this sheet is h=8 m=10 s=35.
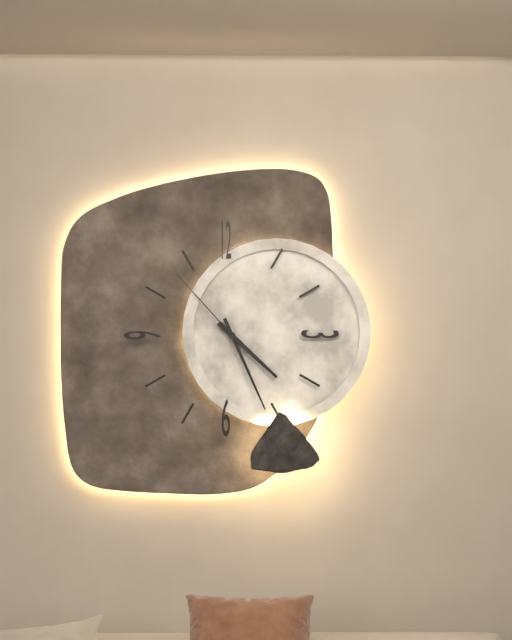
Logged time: h=4 m=26 s=53
